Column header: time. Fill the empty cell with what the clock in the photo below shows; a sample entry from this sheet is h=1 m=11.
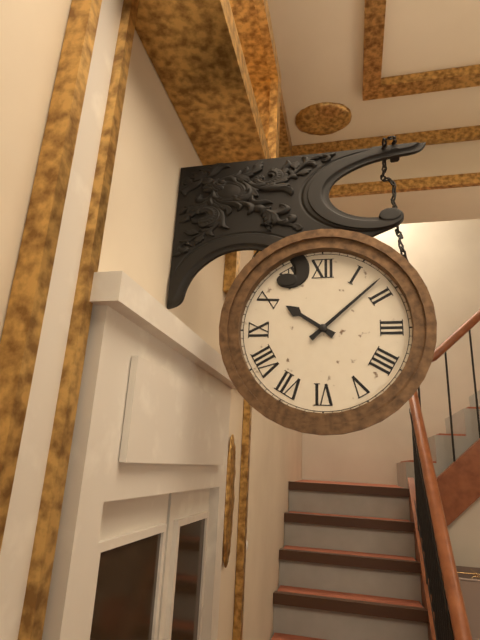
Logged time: h=10 m=8
